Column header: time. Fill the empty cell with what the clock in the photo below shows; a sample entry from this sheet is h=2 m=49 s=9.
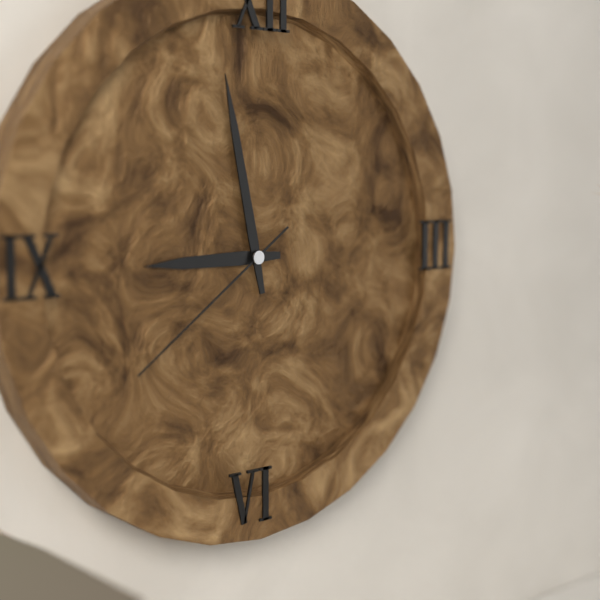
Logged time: h=8 m=58 s=39
